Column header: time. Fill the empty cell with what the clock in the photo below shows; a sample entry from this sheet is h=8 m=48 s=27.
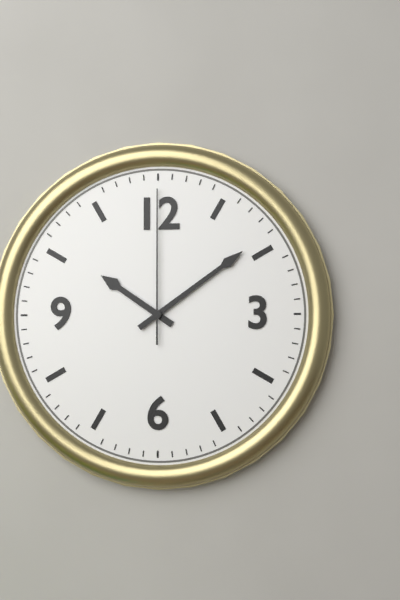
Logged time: h=10 m=9 s=0
